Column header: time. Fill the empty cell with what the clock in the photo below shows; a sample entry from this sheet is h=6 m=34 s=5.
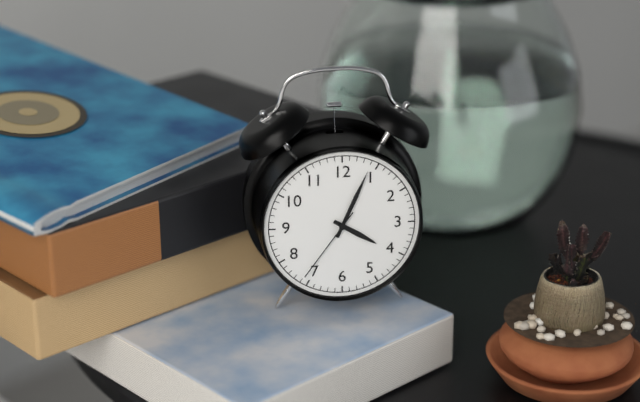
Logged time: h=4 m=4 s=36
